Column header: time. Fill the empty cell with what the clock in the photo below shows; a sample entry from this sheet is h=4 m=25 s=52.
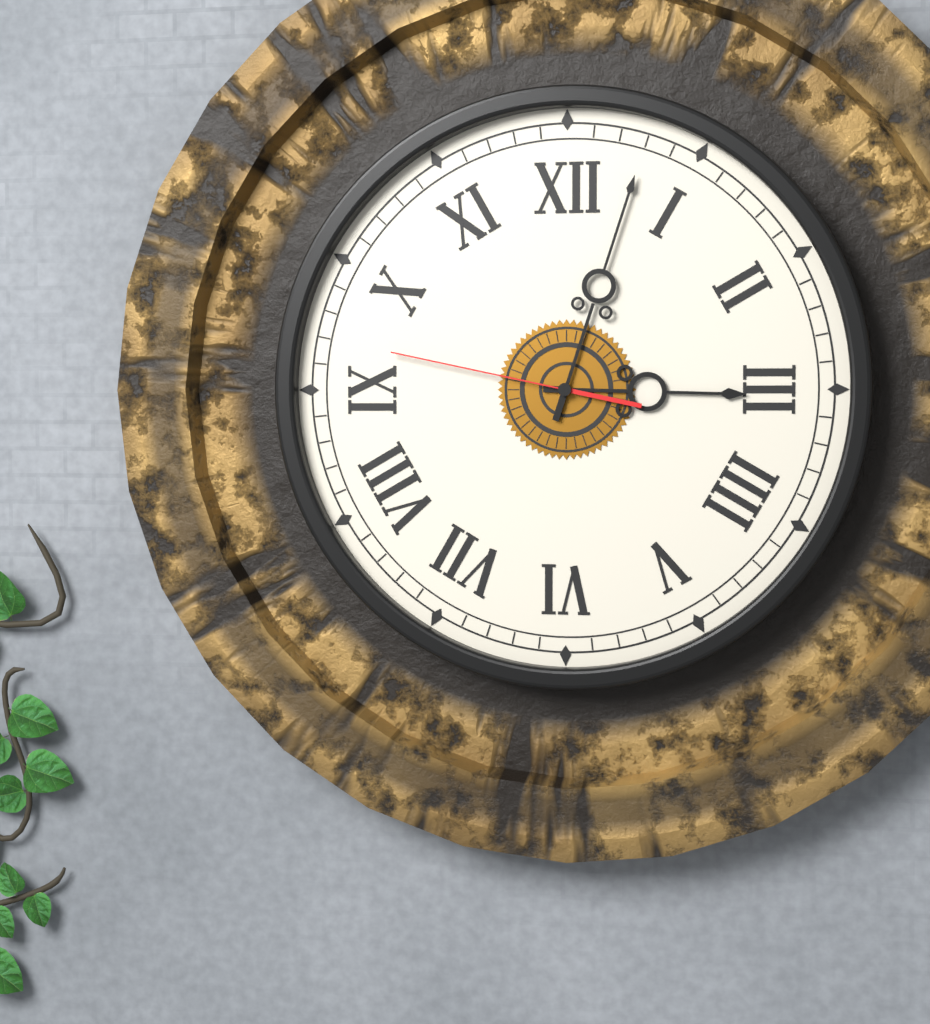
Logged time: h=3 m=3 s=47
